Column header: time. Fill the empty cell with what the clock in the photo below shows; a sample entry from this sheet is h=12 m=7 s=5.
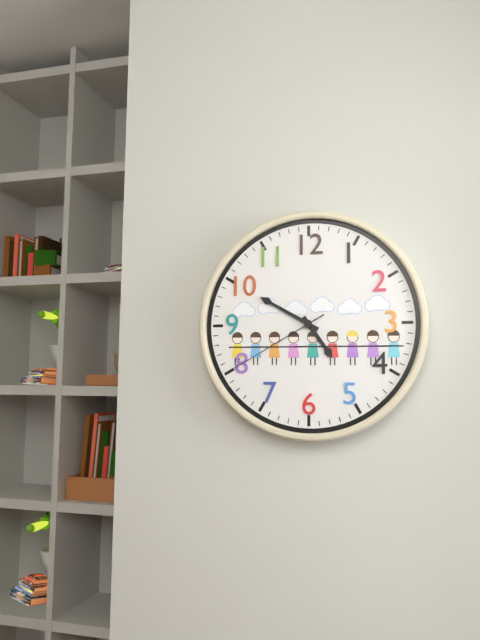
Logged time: h=4 m=50 s=40
